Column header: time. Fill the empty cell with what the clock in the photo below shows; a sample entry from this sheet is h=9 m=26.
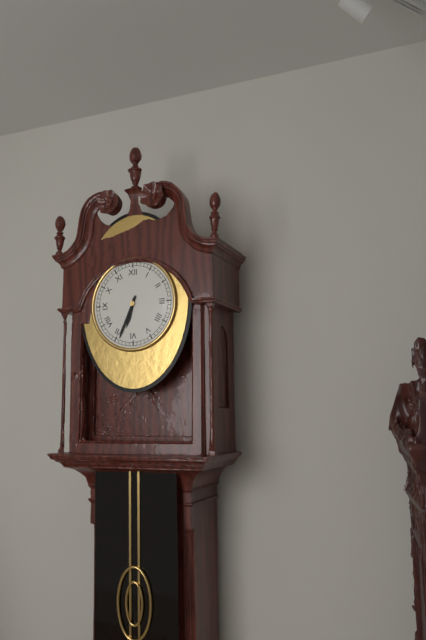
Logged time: h=6 m=34
